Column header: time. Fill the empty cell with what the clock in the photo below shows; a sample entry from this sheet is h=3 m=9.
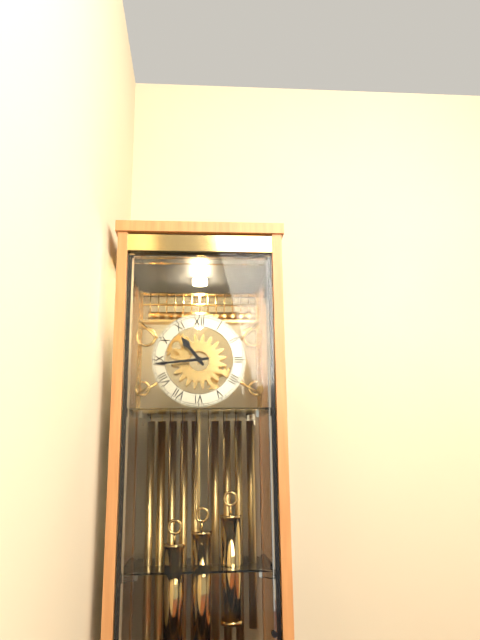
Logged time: h=10 m=44
